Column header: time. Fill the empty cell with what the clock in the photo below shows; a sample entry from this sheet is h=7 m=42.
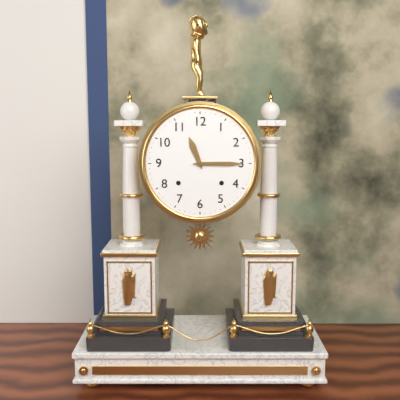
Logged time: h=11 m=15
